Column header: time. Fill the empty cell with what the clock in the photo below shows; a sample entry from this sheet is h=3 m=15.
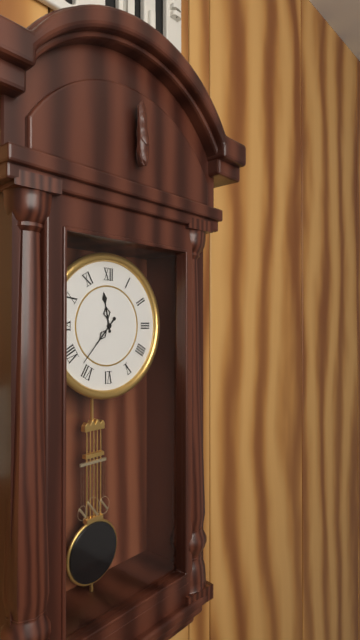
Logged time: h=11 m=37
